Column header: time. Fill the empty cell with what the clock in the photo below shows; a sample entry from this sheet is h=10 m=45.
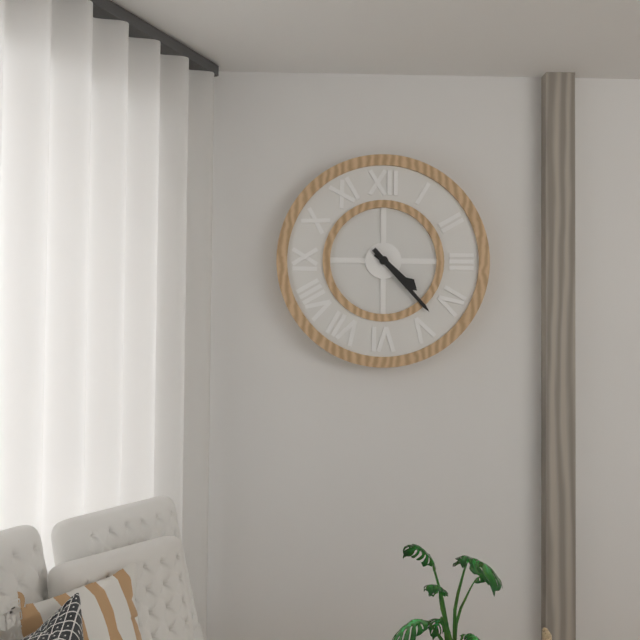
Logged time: h=4 m=23
